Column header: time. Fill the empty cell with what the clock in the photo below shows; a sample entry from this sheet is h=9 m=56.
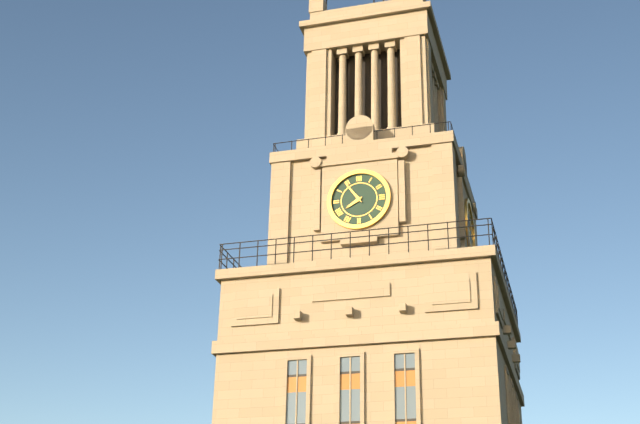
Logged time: h=7 m=54
